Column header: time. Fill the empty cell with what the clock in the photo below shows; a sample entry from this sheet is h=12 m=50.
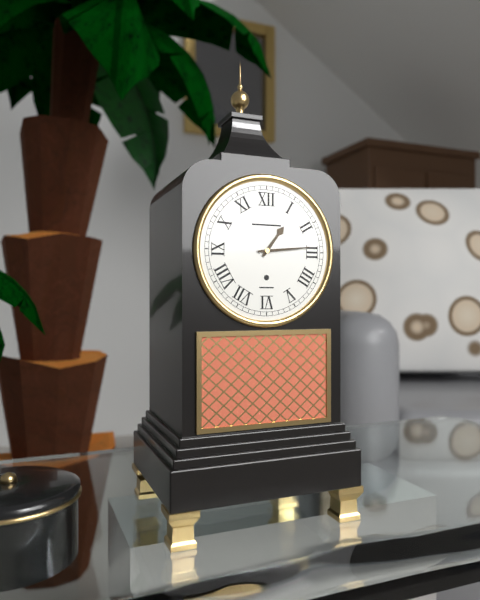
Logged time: h=1 m=14
